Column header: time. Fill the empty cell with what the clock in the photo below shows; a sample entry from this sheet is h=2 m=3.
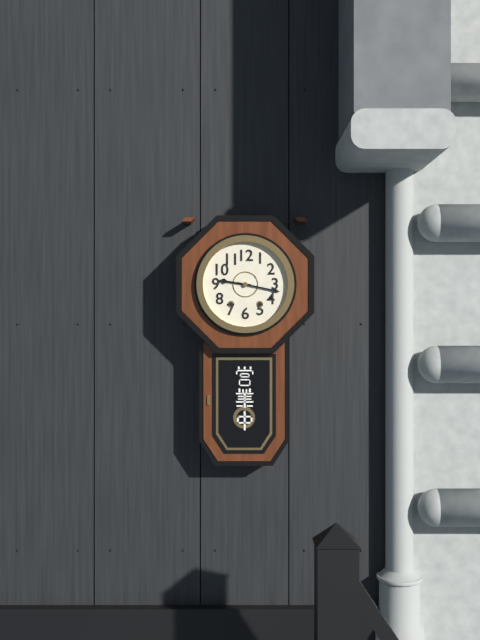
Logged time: h=9 m=17
